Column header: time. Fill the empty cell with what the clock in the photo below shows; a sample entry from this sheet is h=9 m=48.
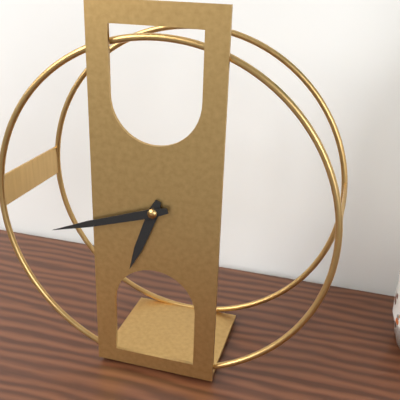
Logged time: h=6 m=42
